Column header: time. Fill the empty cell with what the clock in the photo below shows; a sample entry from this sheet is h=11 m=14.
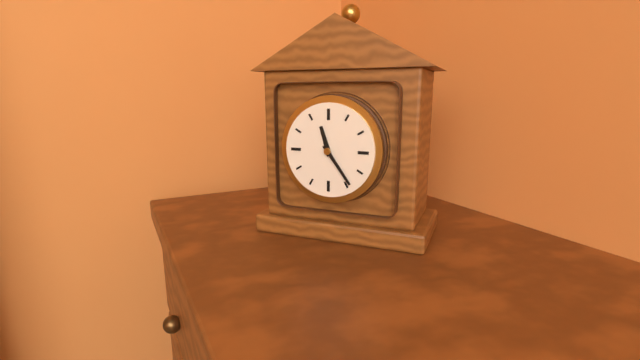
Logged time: h=11 m=24
